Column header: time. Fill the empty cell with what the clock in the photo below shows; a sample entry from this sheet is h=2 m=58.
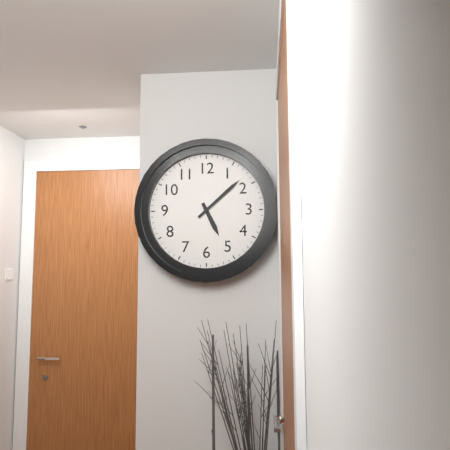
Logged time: h=5 m=8
